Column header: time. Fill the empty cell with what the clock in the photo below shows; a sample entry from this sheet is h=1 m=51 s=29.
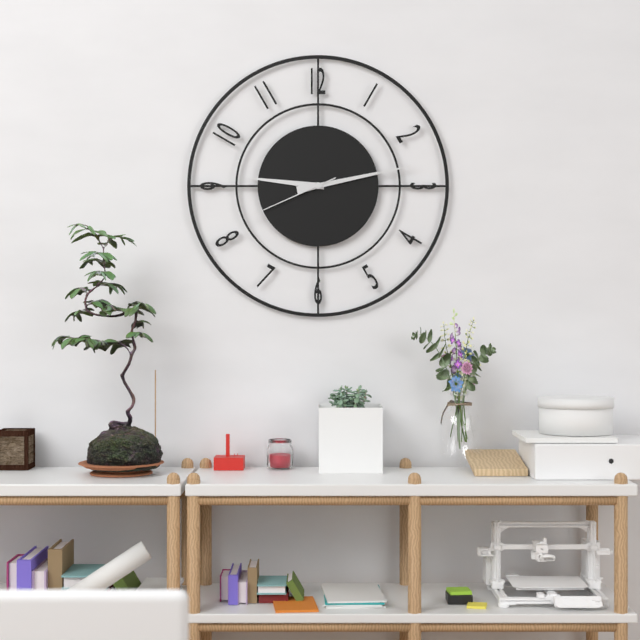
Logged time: h=9 m=13 s=41
